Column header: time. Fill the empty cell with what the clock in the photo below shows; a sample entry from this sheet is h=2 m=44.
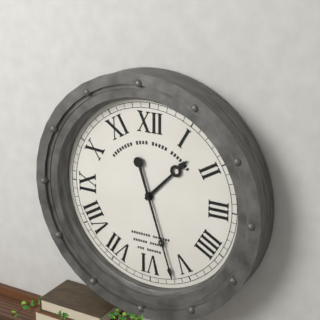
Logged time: h=1 m=27
